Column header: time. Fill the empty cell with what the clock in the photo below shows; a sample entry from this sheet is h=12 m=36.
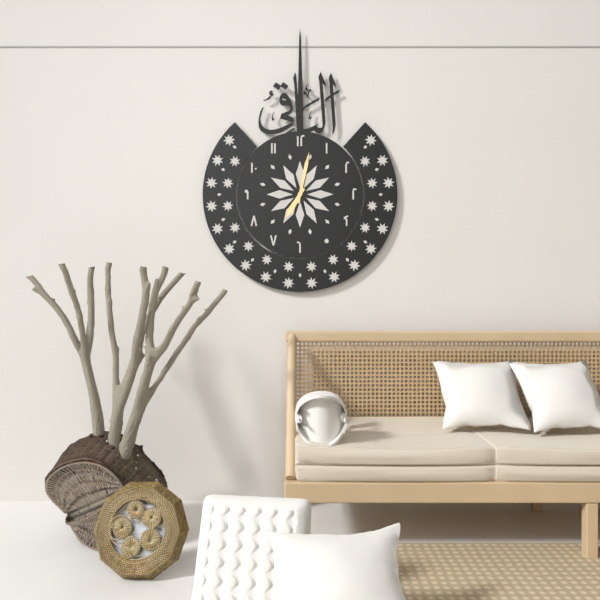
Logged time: h=7 m=2
